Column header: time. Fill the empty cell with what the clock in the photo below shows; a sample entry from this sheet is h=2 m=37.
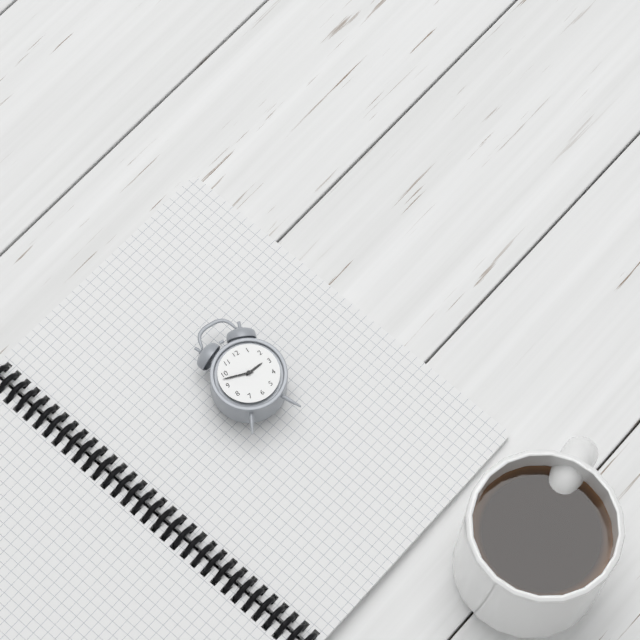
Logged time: h=2 m=48
